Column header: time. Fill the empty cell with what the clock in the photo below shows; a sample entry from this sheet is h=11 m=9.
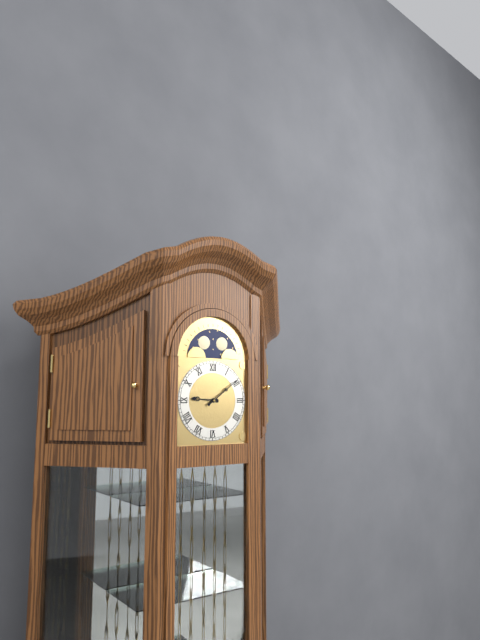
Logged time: h=9 m=9
